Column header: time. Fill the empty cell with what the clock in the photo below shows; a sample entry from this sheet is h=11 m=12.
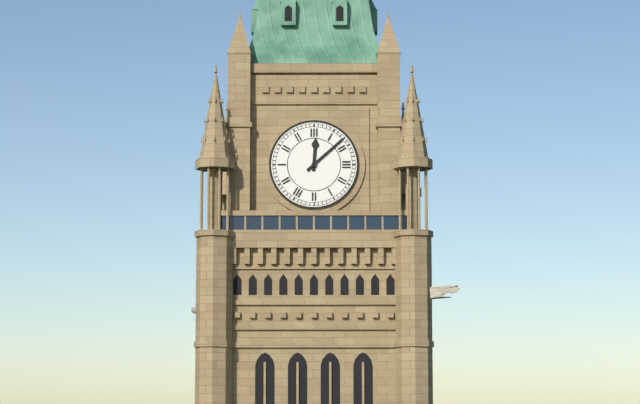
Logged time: h=12 m=8
